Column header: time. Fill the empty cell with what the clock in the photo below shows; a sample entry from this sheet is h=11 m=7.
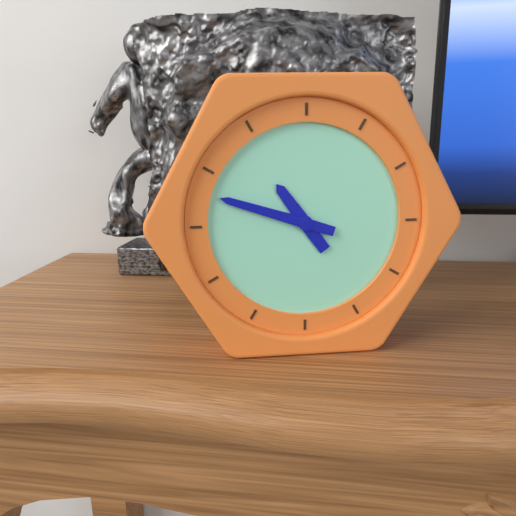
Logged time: h=10 m=48
